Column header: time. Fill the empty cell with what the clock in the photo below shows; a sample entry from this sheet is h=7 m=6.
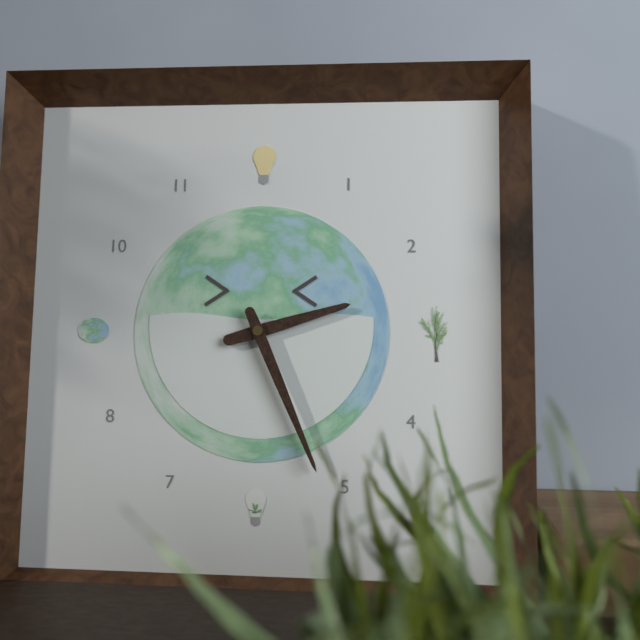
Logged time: h=2 m=26
